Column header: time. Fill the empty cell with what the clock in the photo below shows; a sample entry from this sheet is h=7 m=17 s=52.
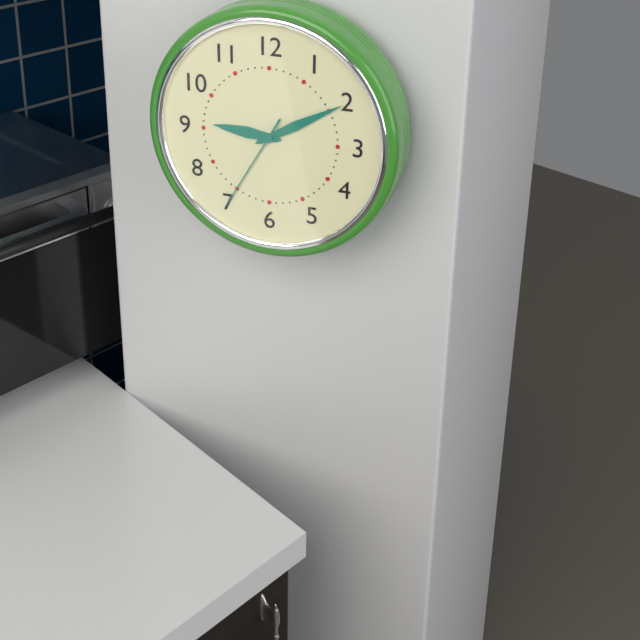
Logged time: h=9 m=10 s=35
